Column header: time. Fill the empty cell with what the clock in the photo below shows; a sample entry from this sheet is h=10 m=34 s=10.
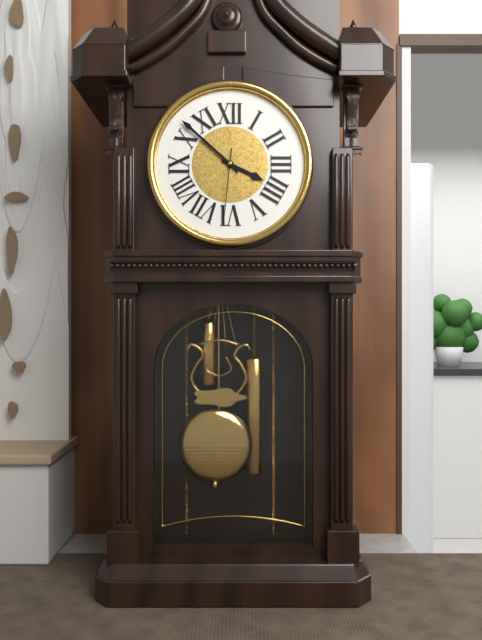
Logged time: h=3 m=52 s=31
